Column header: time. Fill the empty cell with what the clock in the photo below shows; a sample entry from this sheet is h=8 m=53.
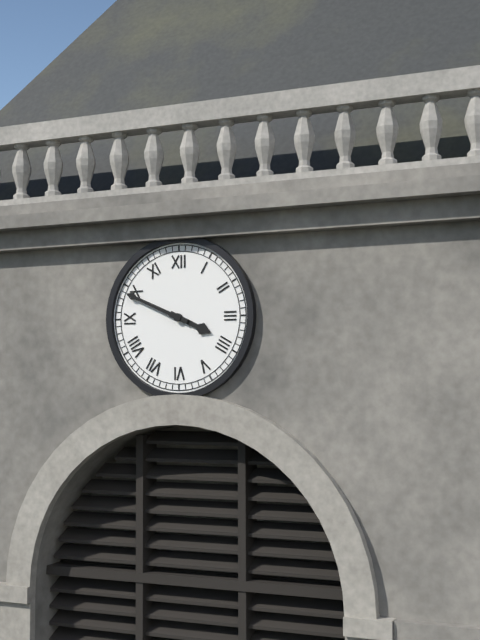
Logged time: h=3 m=49
